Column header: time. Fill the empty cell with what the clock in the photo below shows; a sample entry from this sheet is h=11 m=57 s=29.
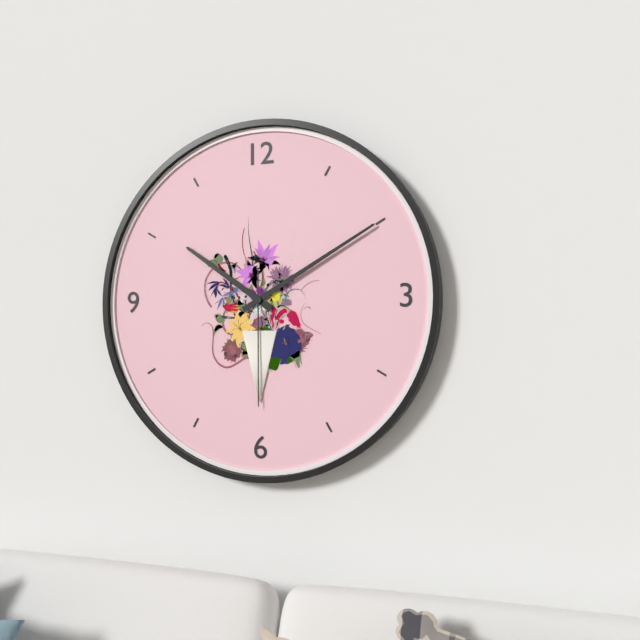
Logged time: h=10 m=10 s=30
